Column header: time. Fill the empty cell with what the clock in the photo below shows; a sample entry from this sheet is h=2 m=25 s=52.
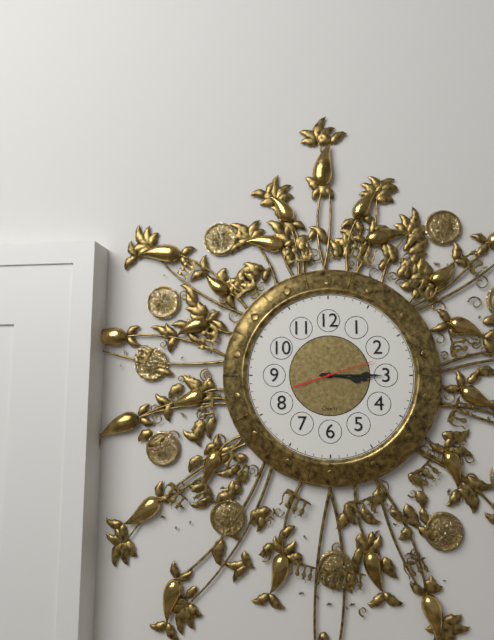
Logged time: h=3 m=15 s=12
